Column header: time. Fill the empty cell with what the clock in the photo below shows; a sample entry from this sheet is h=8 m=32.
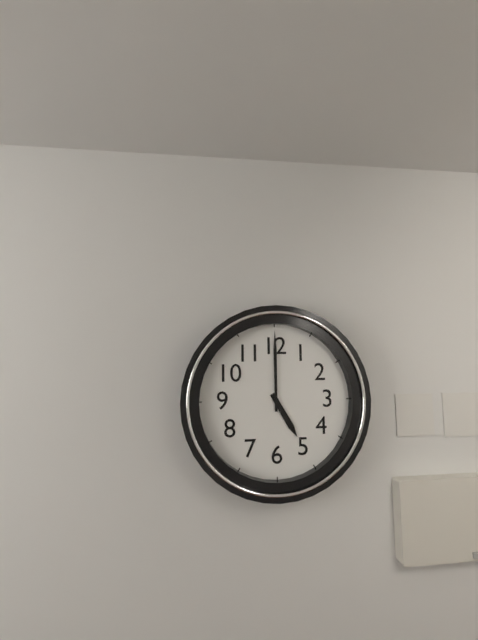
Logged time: h=5 m=0
